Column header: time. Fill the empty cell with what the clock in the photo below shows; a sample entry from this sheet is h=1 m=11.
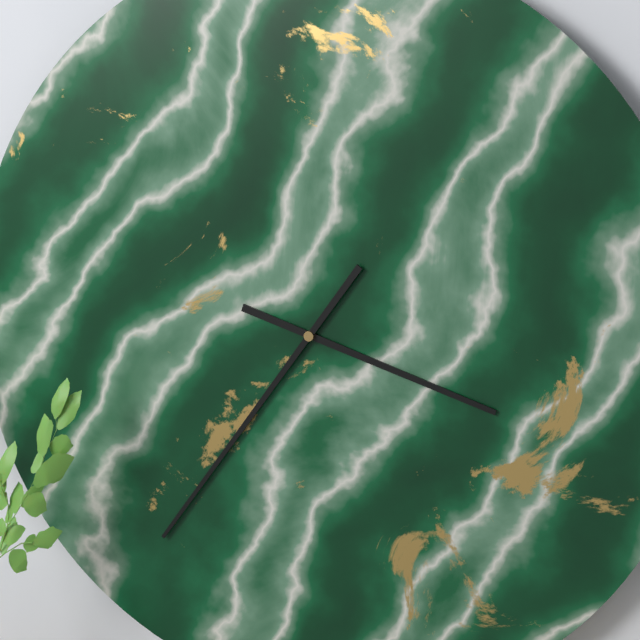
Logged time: h=3 m=36
